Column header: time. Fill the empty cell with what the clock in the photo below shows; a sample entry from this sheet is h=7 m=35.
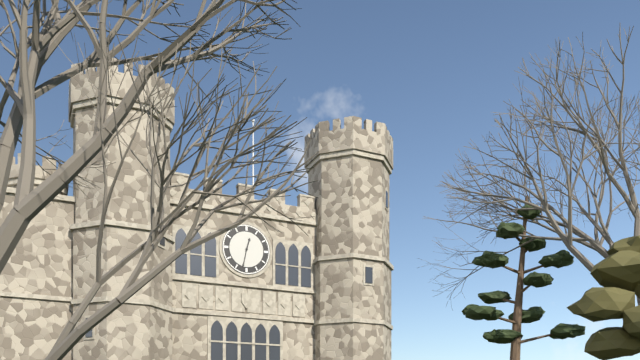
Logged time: h=12 m=32
